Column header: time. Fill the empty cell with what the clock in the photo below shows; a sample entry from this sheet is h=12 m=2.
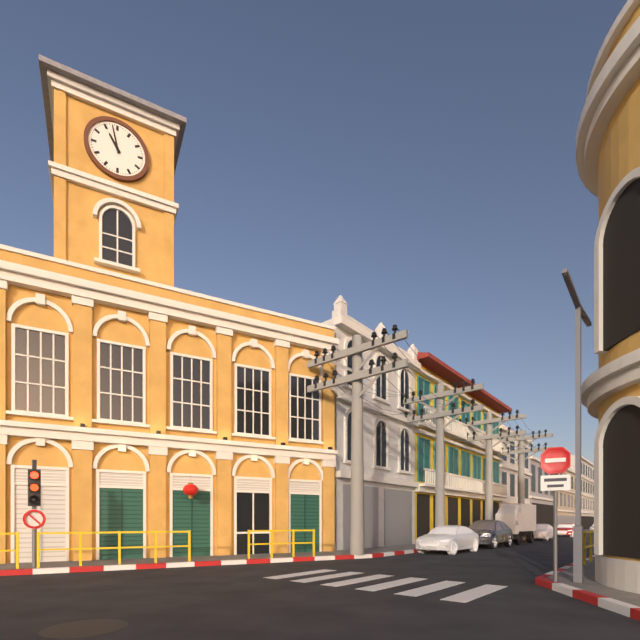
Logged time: h=10 m=58
